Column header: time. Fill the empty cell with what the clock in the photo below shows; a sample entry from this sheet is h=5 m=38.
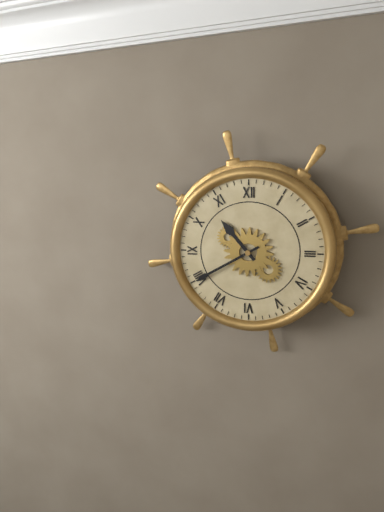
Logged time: h=10 m=40
